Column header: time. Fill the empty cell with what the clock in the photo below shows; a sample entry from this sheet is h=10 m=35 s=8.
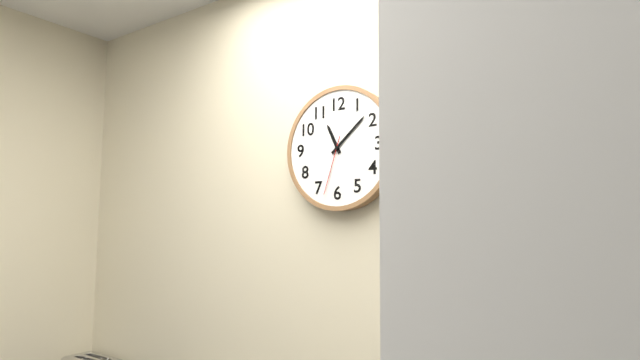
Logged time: h=11 m=8 s=33
